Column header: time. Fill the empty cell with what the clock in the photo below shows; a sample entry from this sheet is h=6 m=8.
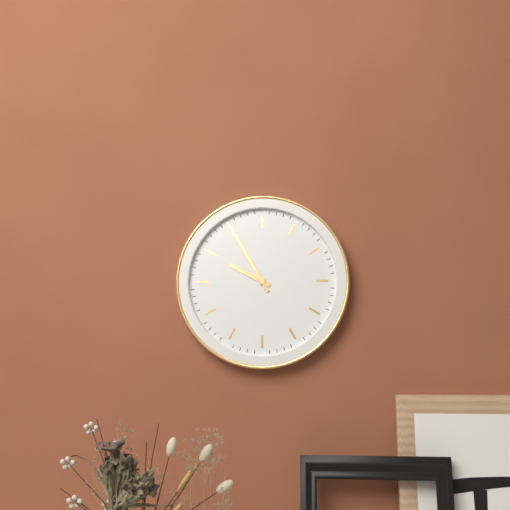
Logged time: h=9 m=55
